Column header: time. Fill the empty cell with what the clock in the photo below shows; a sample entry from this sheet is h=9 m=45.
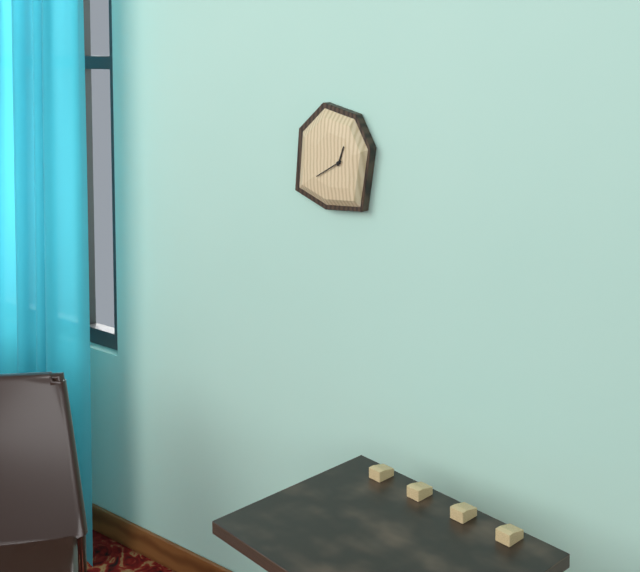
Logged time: h=12 m=40
